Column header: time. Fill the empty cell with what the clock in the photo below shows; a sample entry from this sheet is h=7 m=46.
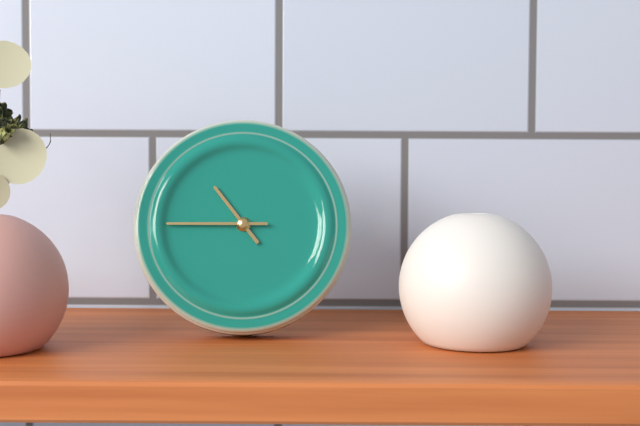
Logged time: h=10 m=45
